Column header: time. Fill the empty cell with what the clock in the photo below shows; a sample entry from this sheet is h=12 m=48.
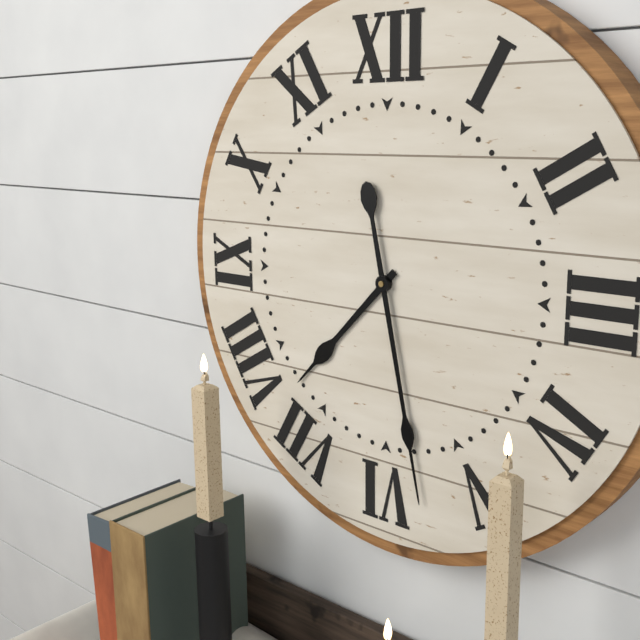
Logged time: h=7 m=28
